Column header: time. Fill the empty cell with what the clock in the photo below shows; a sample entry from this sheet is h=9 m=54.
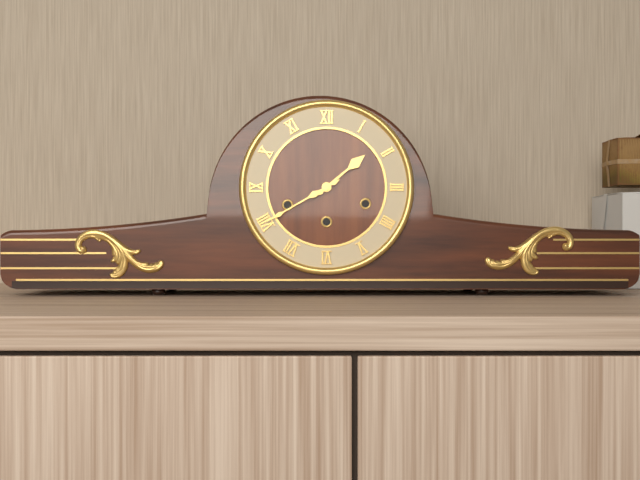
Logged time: h=1 m=40
